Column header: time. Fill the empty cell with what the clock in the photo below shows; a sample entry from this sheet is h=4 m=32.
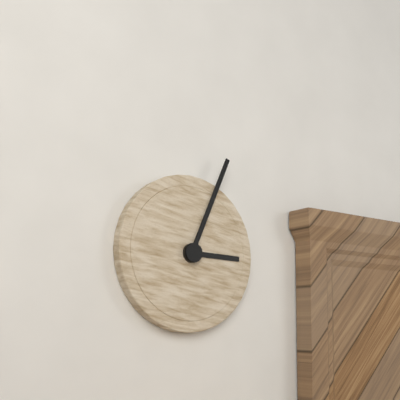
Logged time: h=3 m=4
